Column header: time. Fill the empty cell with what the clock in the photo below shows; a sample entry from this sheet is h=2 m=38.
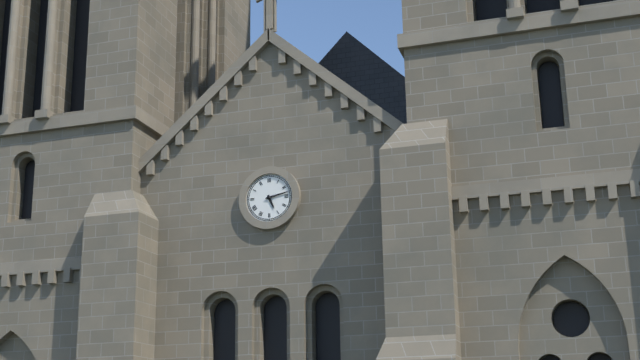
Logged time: h=5 m=13
